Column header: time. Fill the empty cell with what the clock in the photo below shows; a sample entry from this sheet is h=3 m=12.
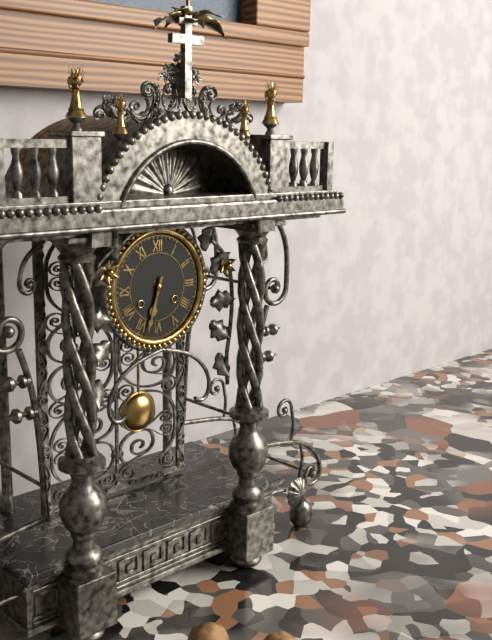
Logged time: h=6 m=33
